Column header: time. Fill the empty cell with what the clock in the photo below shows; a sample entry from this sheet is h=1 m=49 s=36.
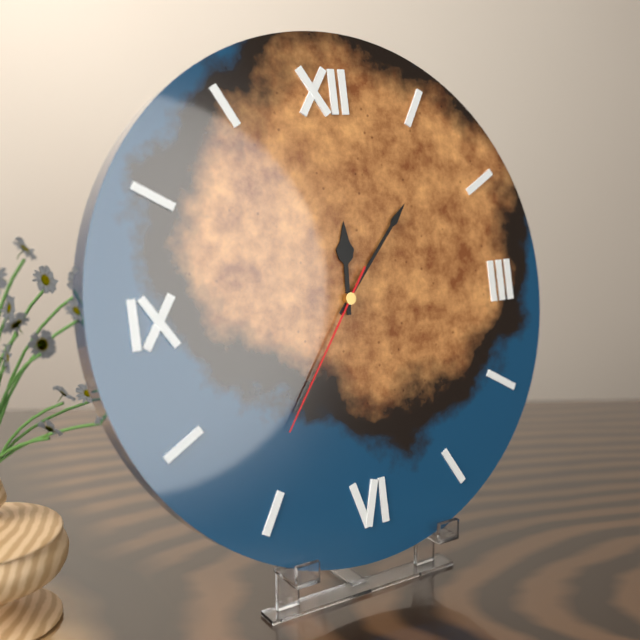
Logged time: h=12 m=7 s=36
